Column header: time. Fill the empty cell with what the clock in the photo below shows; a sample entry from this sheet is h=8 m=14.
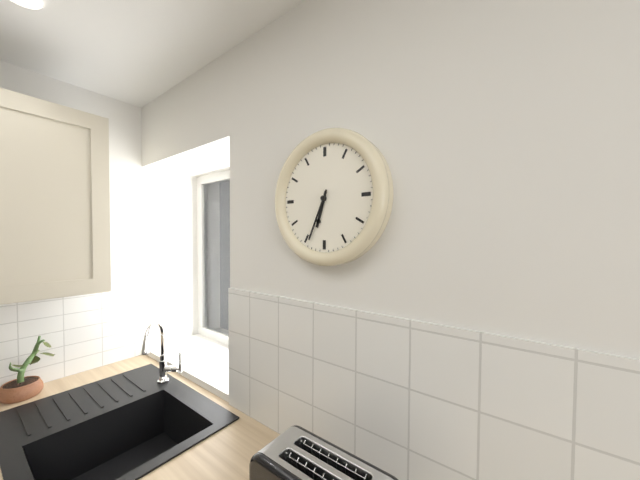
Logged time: h=6 m=34
